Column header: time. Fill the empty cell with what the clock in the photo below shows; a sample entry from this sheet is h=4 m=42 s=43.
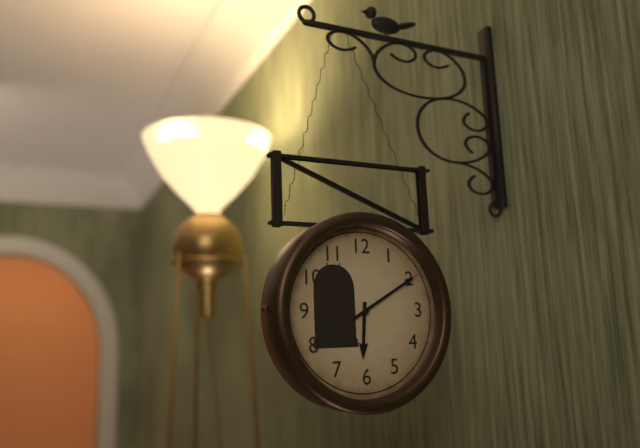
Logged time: h=6 m=10 s=10
